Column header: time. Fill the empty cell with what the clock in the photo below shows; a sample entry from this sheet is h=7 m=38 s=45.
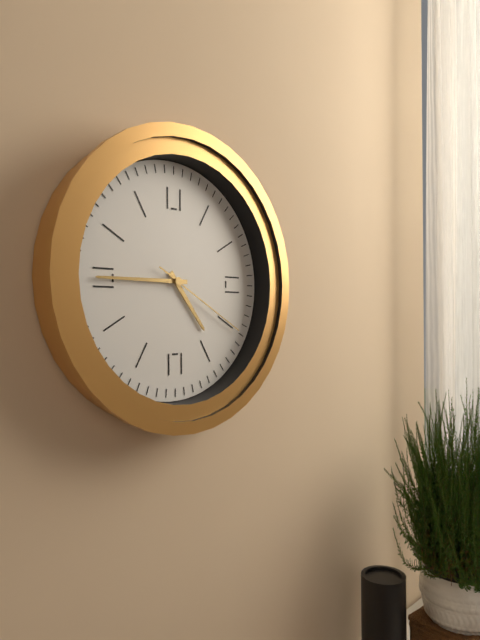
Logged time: h=4 m=45 s=20
